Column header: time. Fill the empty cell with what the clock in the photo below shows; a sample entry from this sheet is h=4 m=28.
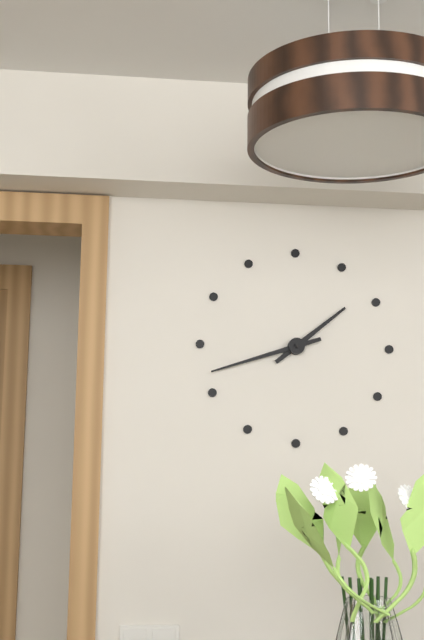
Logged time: h=1 m=42
